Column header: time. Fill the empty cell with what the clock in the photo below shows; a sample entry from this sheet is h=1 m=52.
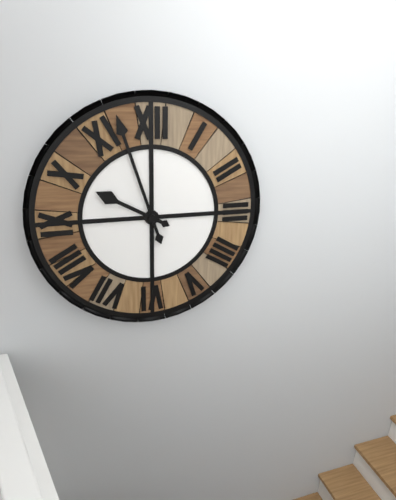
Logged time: h=9 m=57
